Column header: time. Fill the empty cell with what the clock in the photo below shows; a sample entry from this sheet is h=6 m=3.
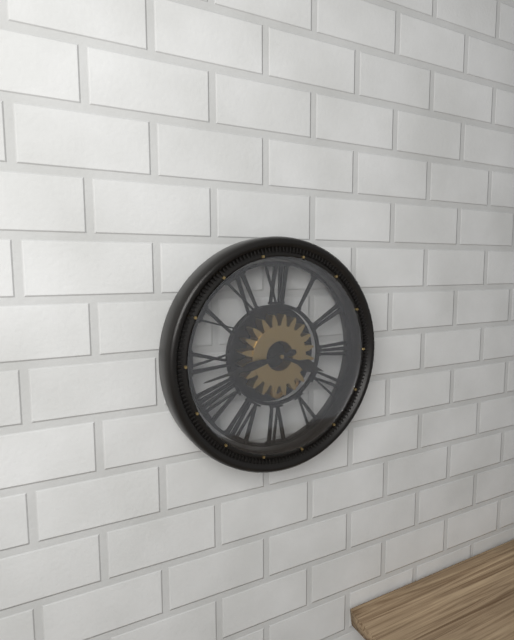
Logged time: h=3 m=43
